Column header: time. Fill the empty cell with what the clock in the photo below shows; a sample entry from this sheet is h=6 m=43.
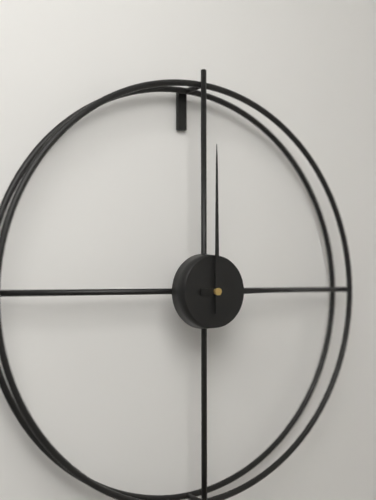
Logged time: h=3 m=0
